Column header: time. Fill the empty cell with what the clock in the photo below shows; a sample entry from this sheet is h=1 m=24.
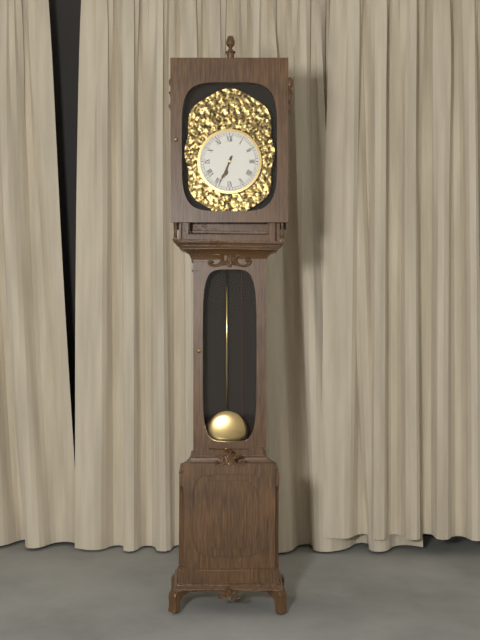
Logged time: h=6 m=34
